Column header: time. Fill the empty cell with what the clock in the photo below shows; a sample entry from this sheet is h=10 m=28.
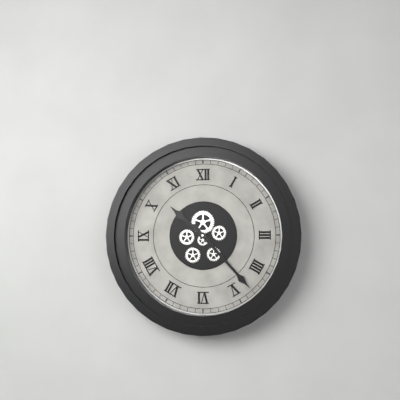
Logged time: h=10 m=23
